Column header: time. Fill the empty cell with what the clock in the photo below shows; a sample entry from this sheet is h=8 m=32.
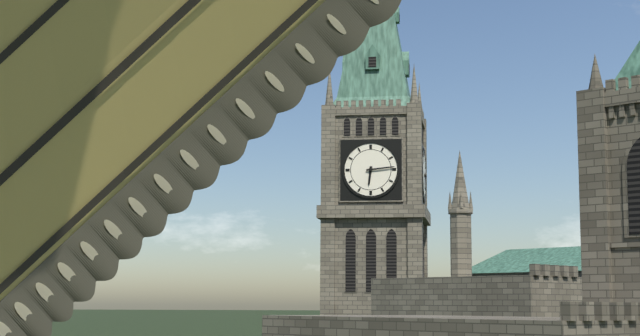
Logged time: h=6 m=14
